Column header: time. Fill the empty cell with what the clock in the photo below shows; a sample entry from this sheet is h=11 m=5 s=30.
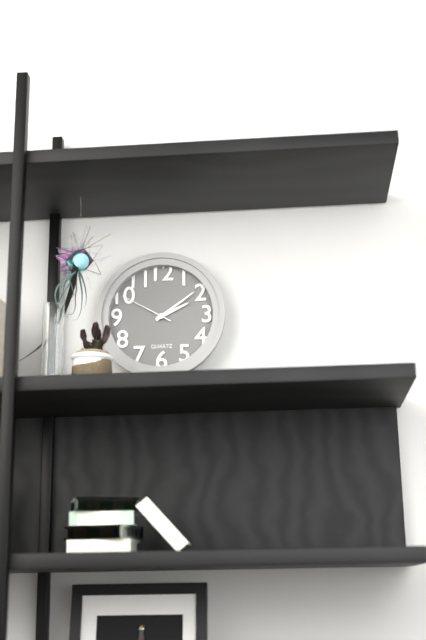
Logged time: h=2 m=9 s=50
